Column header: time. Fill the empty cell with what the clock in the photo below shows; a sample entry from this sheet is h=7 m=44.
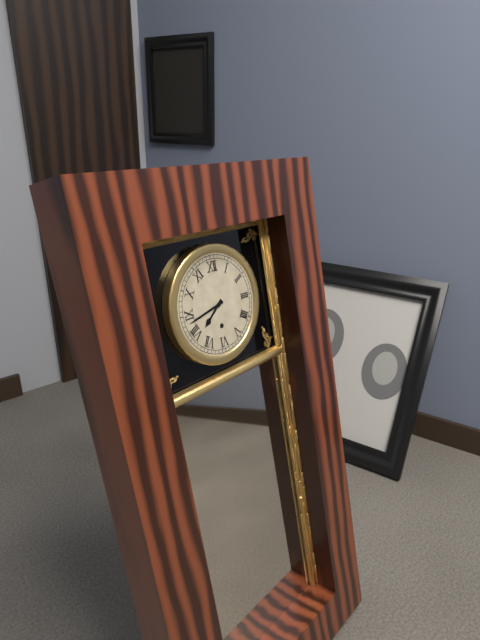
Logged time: h=7 m=43
